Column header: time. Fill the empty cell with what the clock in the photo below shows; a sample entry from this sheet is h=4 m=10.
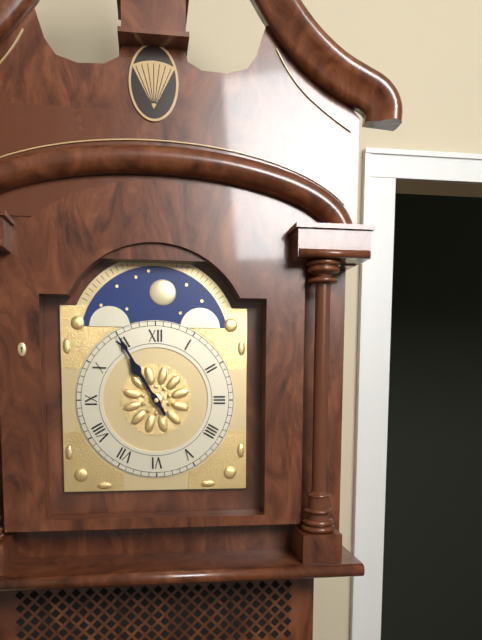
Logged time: h=10 m=55
